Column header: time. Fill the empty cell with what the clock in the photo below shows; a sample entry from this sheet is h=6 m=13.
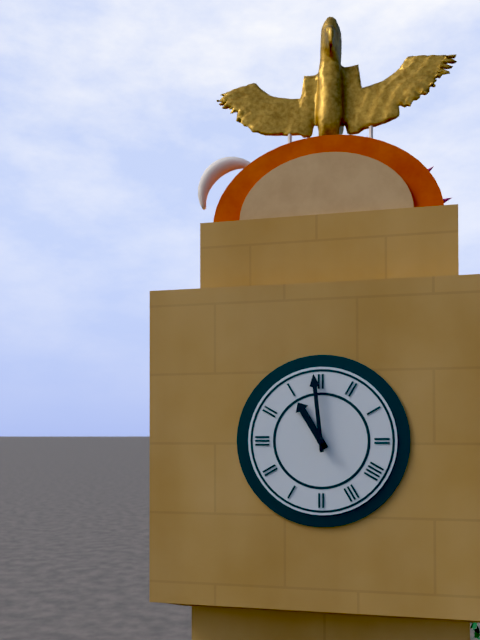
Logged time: h=10 m=59
